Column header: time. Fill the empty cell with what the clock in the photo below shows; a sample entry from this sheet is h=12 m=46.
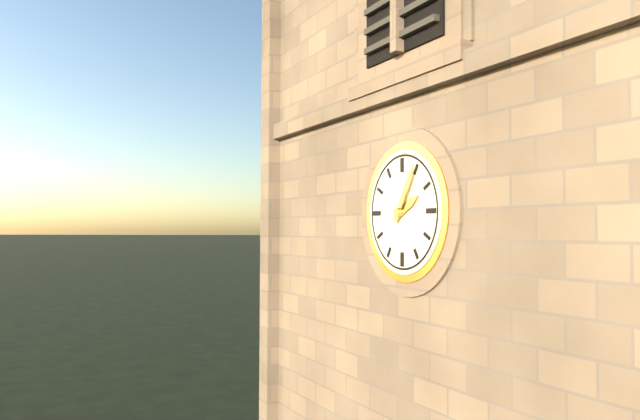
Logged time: h=2 m=5
